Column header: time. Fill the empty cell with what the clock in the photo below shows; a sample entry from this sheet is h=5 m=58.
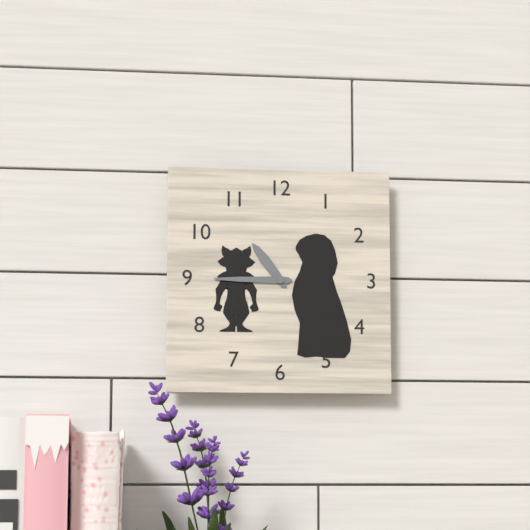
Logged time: h=10 m=45
